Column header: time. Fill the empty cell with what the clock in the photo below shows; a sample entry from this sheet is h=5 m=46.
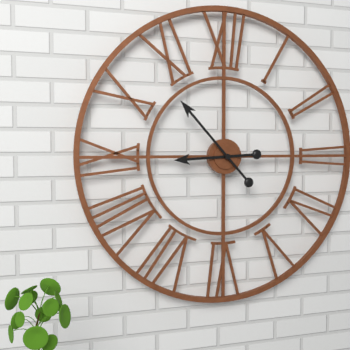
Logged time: h=8 m=53
